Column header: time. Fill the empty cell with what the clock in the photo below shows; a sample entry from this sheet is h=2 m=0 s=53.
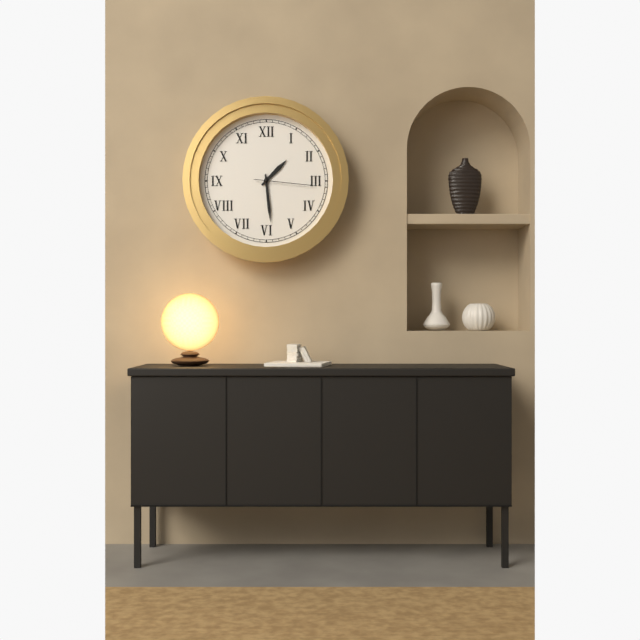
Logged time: h=1 m=29 s=16
